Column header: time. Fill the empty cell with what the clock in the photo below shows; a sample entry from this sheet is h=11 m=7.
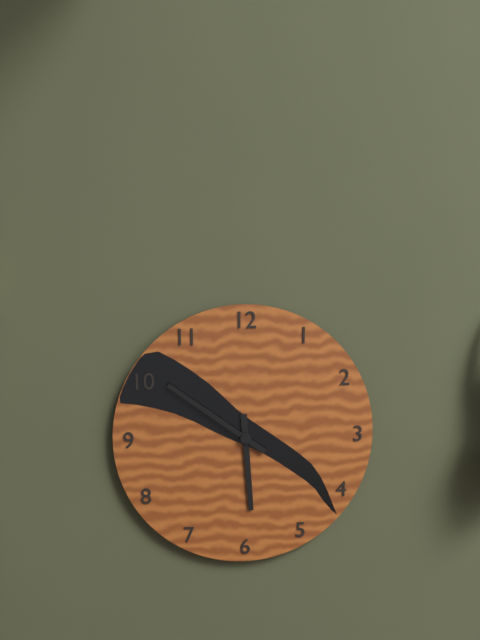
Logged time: h=5 m=51
